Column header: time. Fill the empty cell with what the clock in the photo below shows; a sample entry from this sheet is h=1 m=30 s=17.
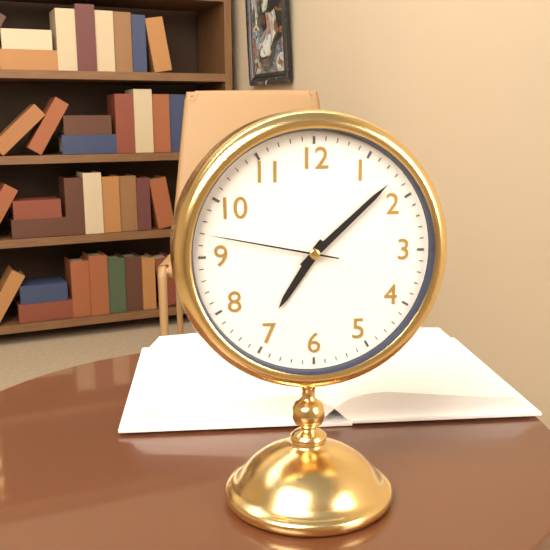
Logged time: h=7 m=8 s=47
